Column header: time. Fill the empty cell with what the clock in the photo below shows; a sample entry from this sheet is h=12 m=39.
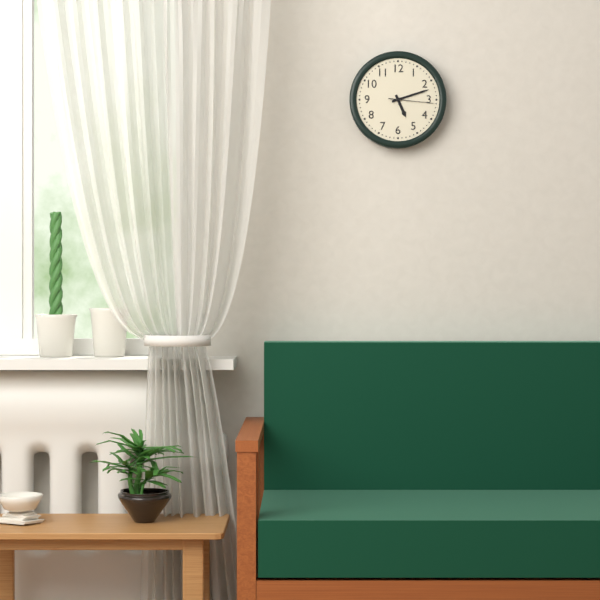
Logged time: h=5 m=12
